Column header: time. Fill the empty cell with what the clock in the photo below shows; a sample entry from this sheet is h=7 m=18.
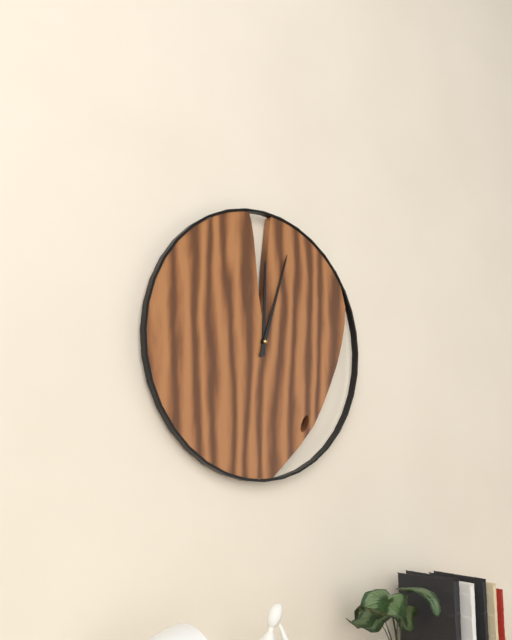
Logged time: h=12 m=3
